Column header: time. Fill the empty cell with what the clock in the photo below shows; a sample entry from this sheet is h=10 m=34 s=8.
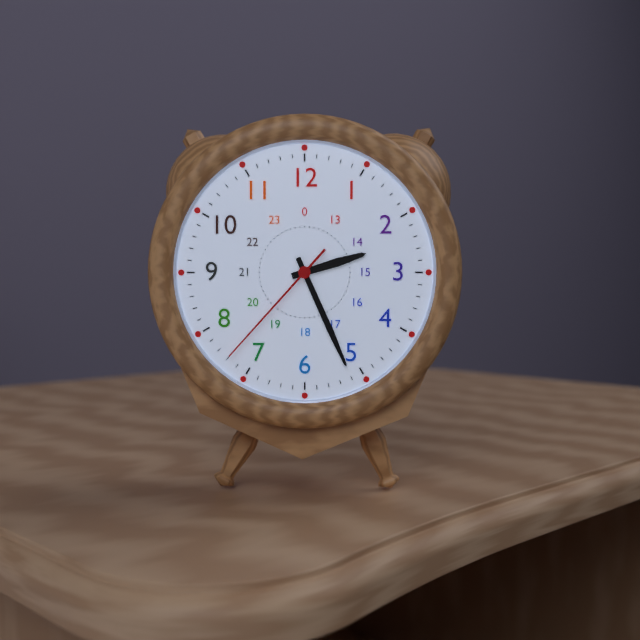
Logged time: h=2 m=26 s=37
